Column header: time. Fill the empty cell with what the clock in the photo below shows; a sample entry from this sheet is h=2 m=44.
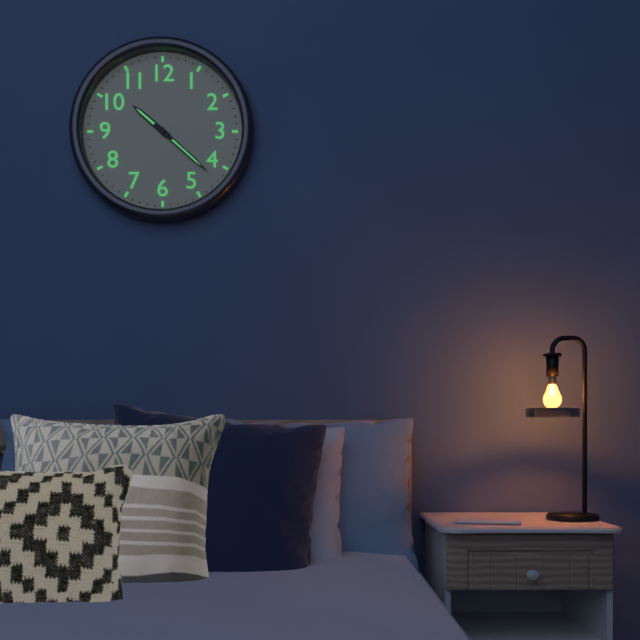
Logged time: h=10 m=22
